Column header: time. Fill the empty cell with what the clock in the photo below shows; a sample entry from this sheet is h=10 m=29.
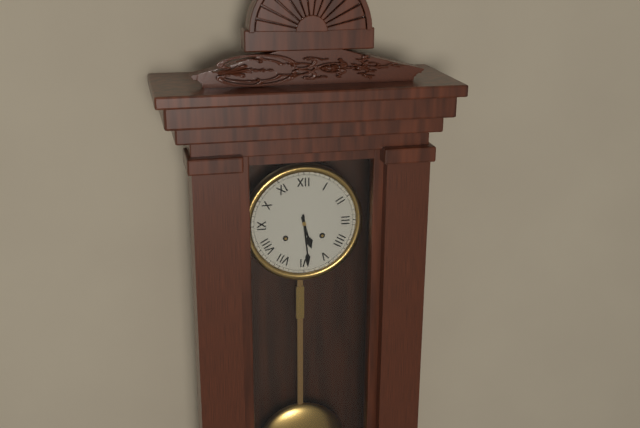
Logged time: h=5 m=29
